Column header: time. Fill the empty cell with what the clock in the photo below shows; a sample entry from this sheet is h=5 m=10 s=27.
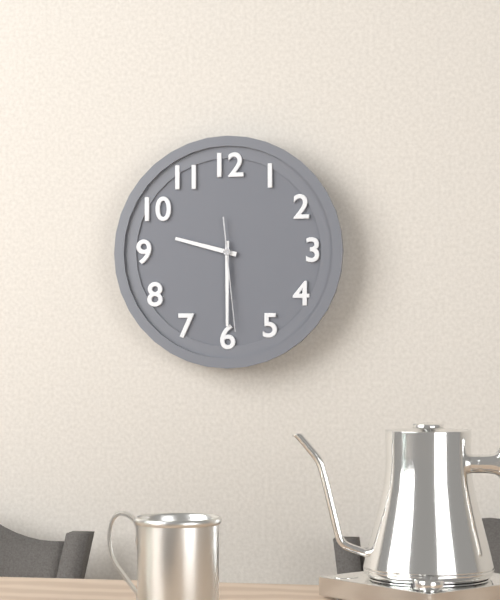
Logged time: h=9 m=30 s=29
